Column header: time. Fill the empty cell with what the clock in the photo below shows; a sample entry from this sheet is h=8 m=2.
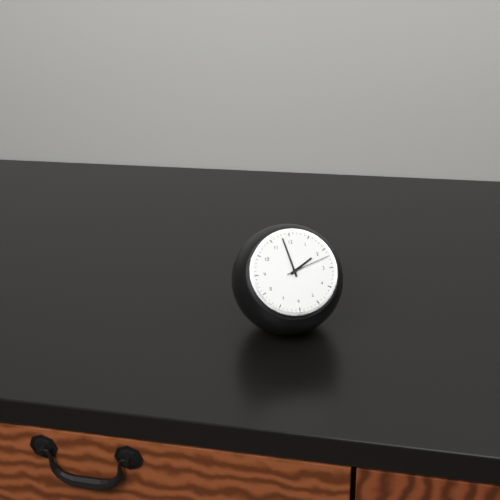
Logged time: h=1 m=58
